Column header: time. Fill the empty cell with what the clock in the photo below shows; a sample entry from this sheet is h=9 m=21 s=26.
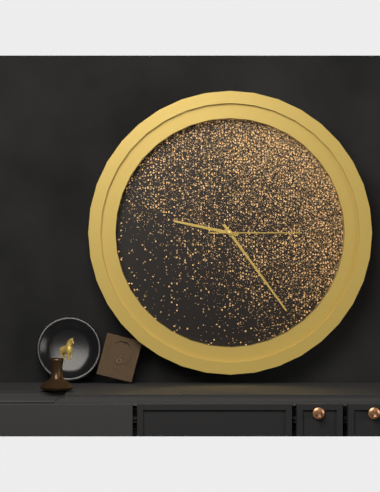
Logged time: h=9 m=24 s=15
